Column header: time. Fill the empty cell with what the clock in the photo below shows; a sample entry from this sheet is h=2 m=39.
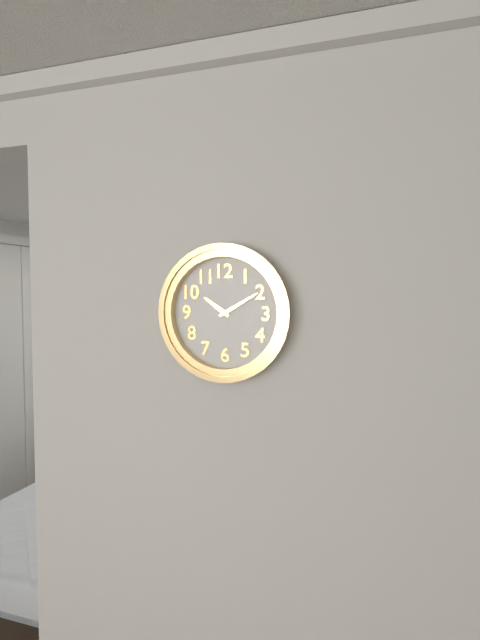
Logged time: h=10 m=10
